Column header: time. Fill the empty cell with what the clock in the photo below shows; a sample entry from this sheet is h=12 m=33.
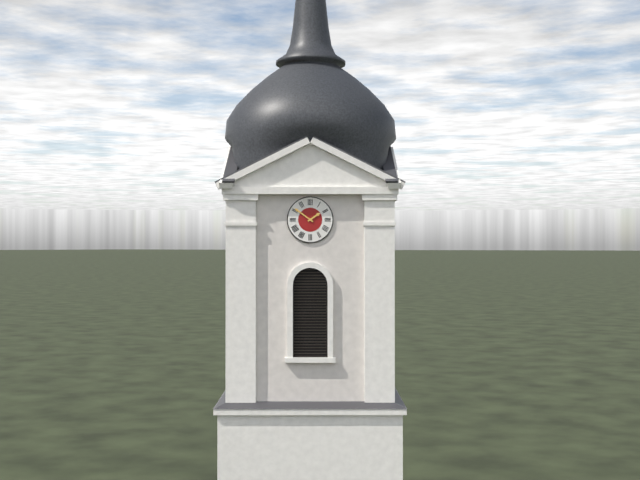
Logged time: h=1 m=51
